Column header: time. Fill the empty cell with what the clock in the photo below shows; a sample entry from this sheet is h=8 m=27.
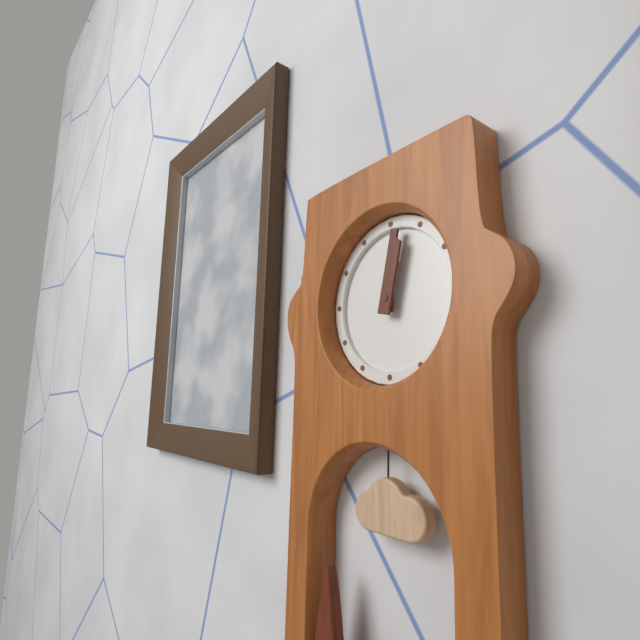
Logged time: h=12 m=2
